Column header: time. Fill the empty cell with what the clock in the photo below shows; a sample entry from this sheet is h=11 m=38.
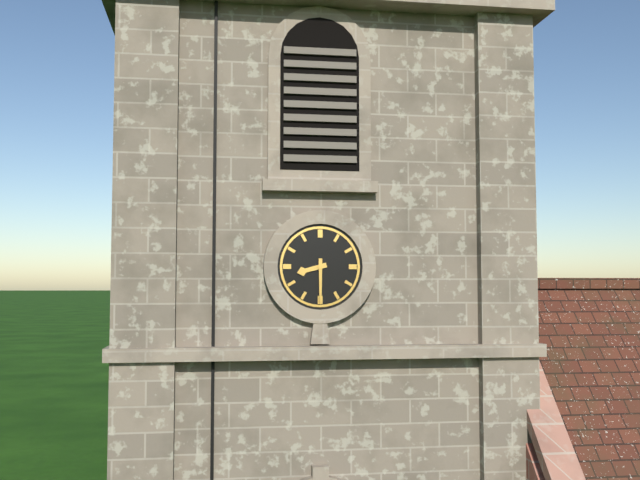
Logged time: h=8 m=30
